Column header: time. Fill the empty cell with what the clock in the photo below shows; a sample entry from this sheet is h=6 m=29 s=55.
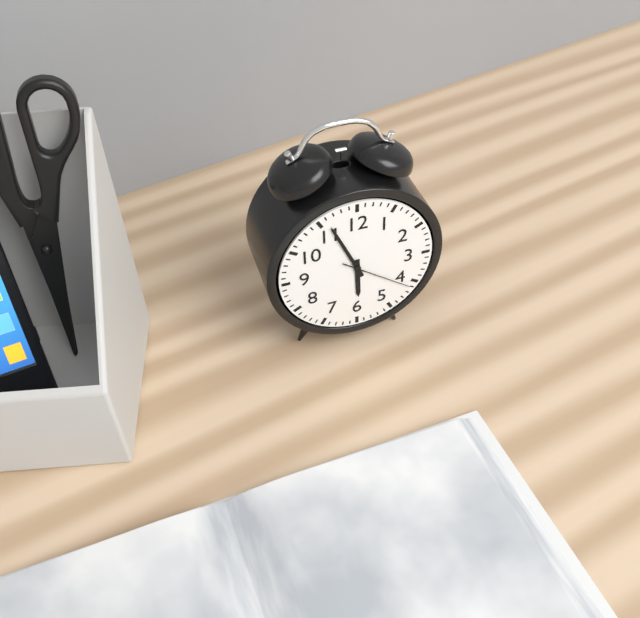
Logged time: h=5 m=56 s=21
